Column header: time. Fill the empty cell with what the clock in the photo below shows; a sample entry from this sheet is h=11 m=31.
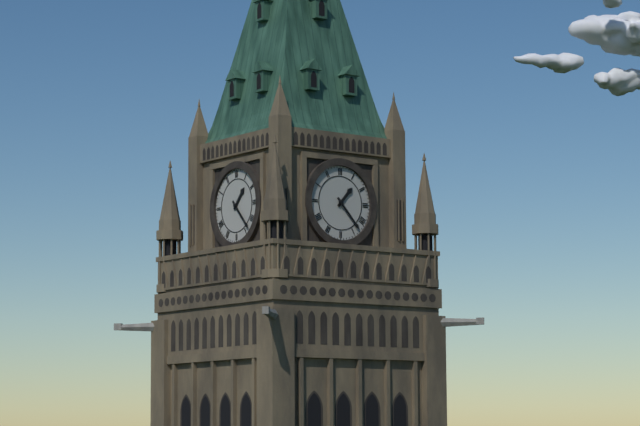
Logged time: h=1 m=23
